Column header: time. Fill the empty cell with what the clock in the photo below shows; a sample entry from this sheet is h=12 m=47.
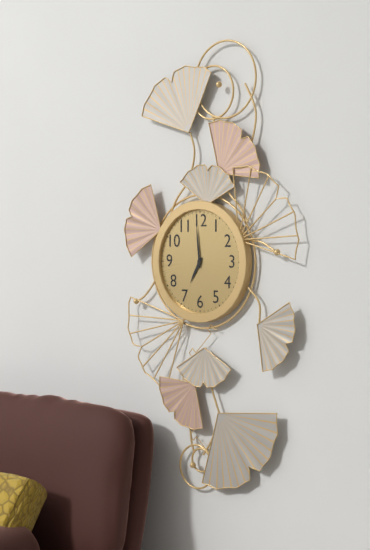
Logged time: h=6 m=59
